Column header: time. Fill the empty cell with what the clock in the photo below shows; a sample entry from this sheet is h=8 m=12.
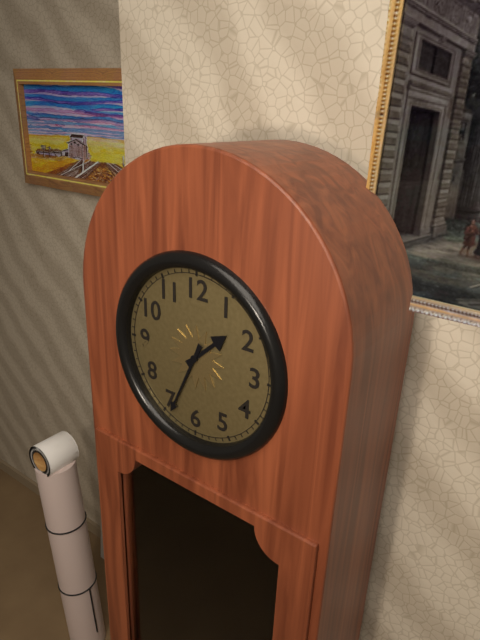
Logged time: h=1 m=34
